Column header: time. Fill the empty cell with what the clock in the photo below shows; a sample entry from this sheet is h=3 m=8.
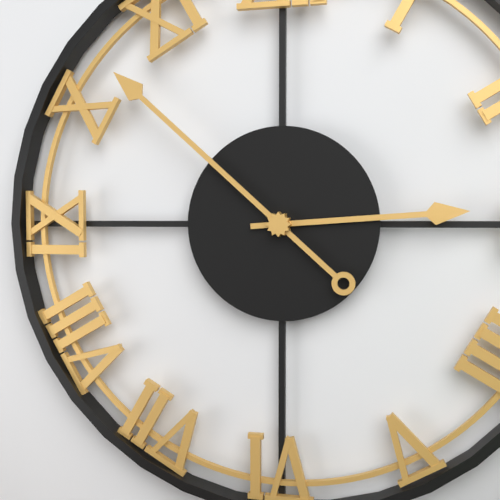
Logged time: h=2 m=52
